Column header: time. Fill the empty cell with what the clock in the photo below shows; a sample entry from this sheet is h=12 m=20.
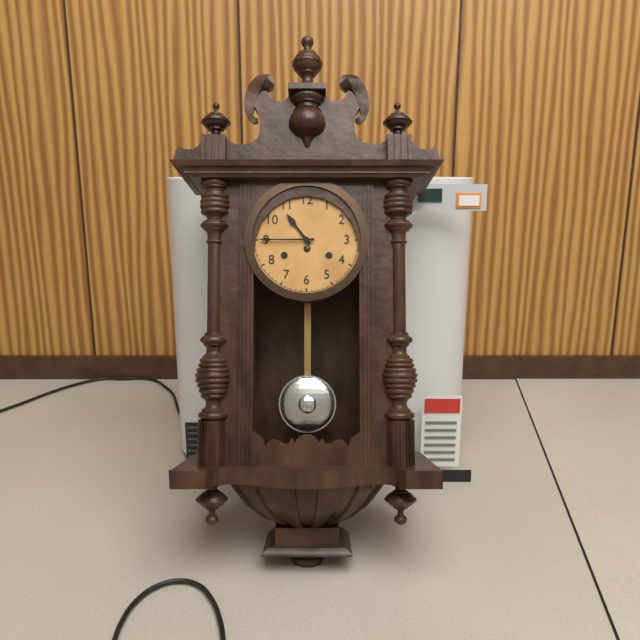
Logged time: h=10 m=45
